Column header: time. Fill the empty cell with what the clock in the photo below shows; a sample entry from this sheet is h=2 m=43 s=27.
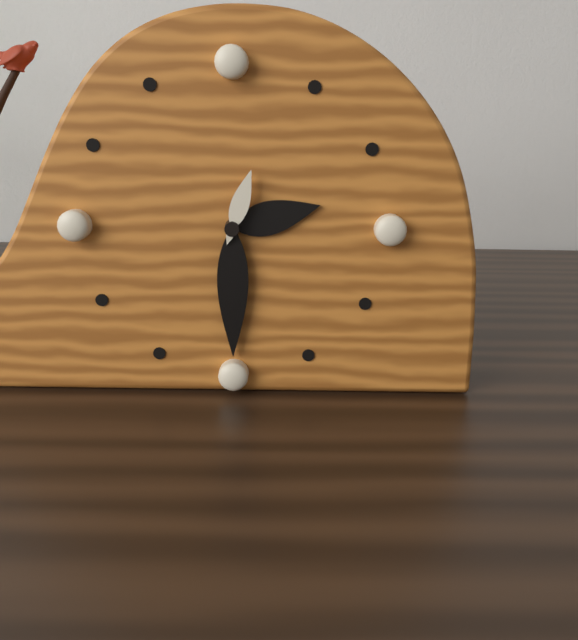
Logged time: h=2 m=30 s=3
